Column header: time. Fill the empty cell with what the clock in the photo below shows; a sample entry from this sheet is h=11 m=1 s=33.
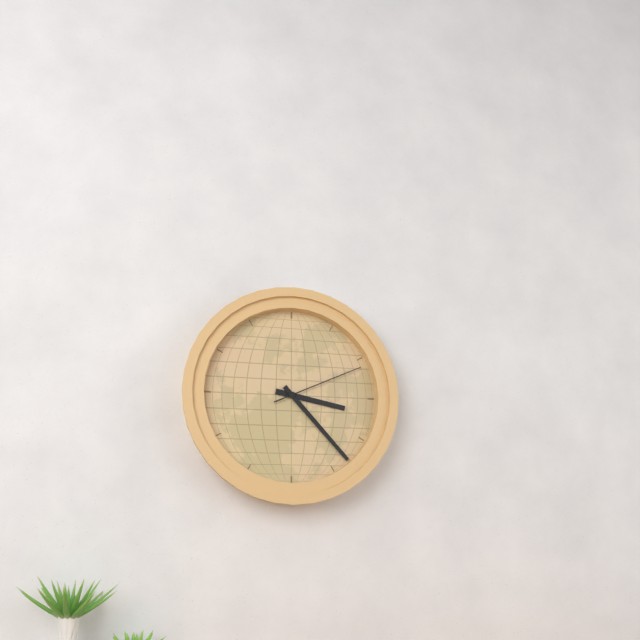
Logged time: h=3 m=23 s=11
